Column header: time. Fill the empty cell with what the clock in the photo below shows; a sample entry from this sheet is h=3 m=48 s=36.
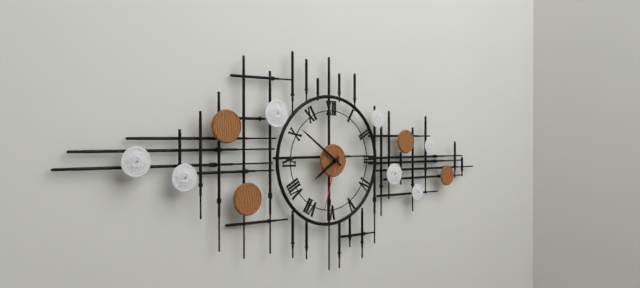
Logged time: h=7 m=51 s=33
